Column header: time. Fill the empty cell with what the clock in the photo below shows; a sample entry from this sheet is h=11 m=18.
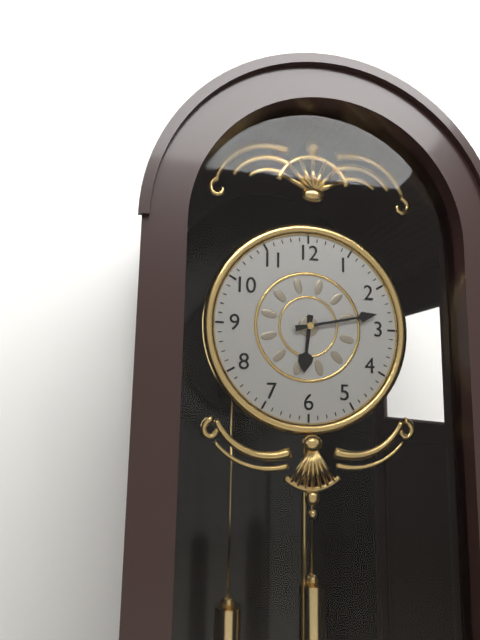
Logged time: h=6 m=13
